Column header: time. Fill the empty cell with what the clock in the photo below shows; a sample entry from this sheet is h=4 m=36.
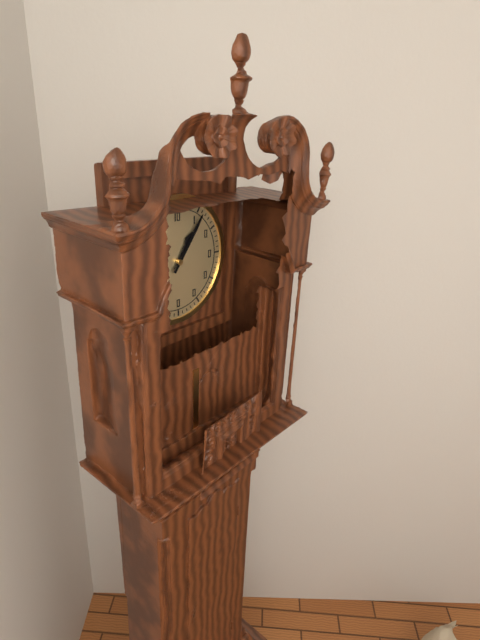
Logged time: h=1 m=6
